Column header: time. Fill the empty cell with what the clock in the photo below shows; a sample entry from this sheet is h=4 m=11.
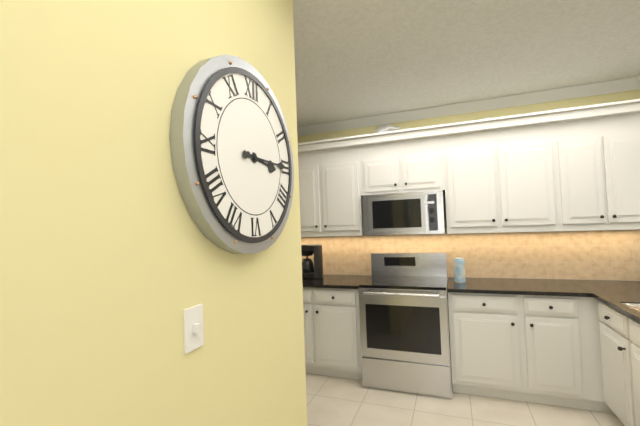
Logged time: h=3 m=15
